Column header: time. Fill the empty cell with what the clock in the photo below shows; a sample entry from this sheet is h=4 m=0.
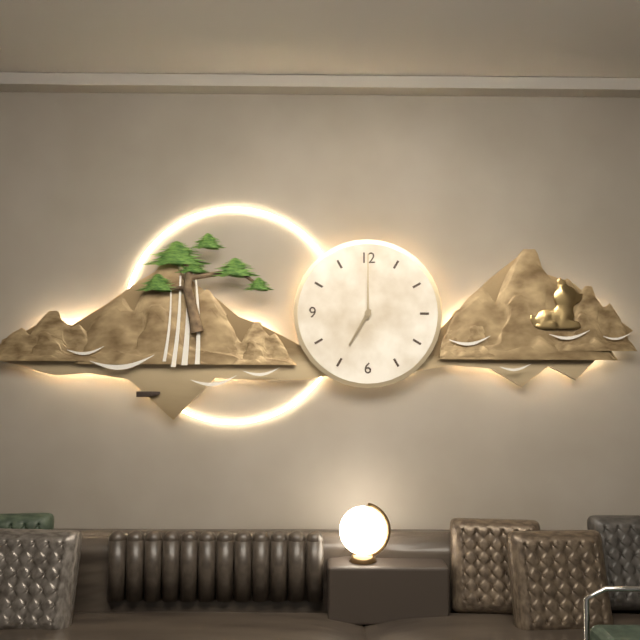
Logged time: h=7 m=0
